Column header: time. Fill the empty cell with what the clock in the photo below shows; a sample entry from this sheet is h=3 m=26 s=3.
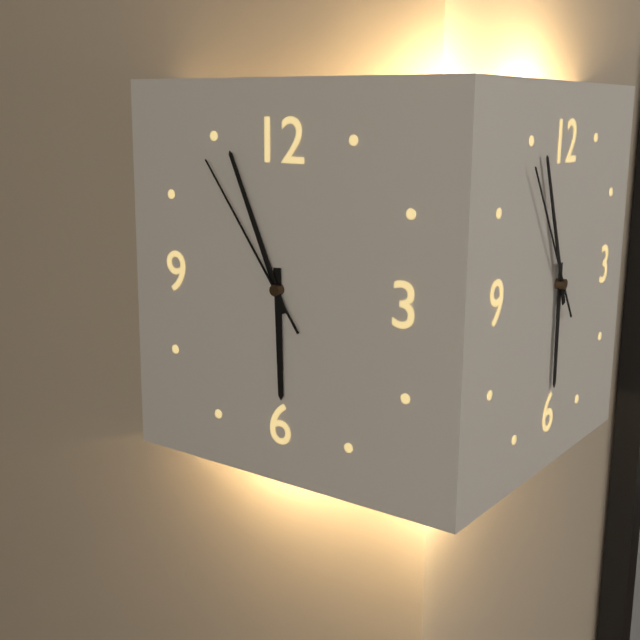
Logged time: h=5 m=56 s=54
